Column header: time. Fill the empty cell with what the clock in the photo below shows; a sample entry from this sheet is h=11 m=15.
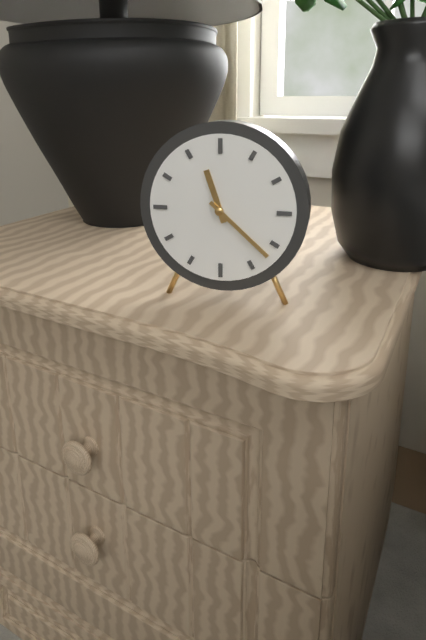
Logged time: h=11 m=22
